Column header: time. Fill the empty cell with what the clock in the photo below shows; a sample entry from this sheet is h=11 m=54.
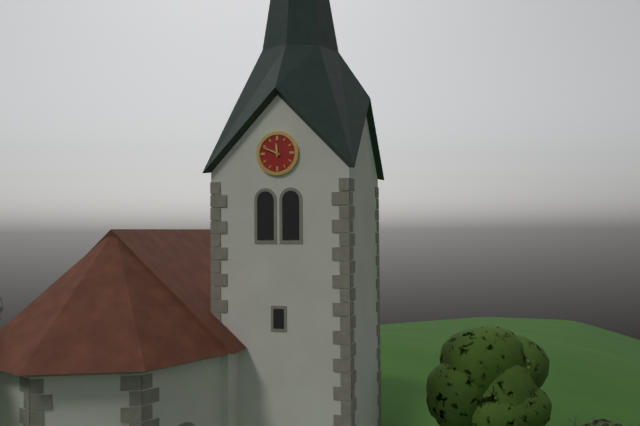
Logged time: h=11 m=49
